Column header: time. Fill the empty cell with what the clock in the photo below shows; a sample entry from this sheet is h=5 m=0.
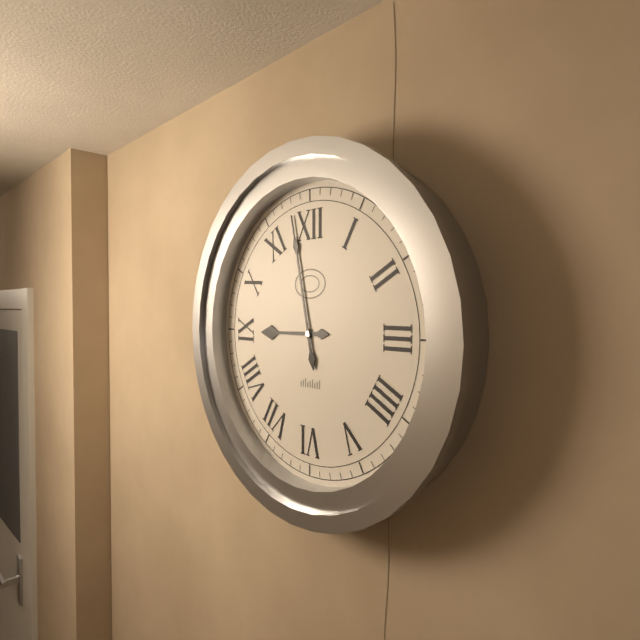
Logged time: h=8 m=58
